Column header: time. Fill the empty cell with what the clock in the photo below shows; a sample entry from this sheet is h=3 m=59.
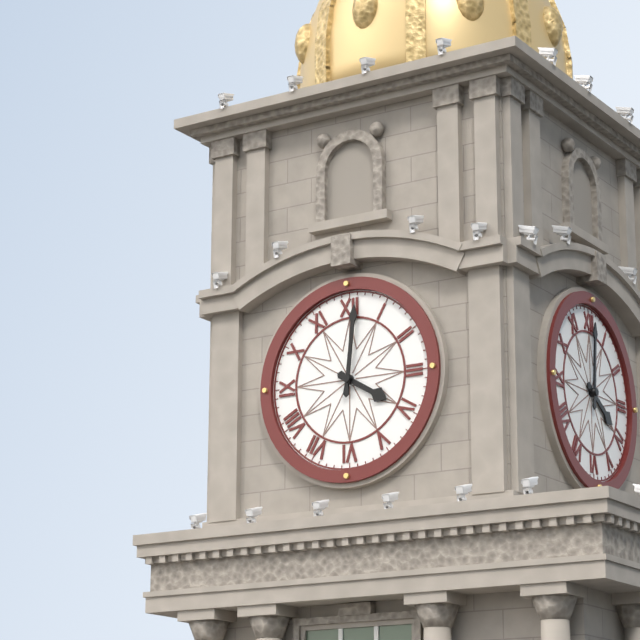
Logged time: h=4 m=1
